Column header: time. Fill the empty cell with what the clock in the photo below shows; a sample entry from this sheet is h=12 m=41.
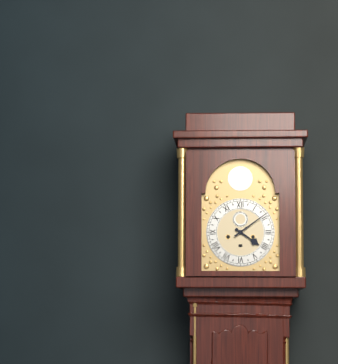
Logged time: h=4 m=9
